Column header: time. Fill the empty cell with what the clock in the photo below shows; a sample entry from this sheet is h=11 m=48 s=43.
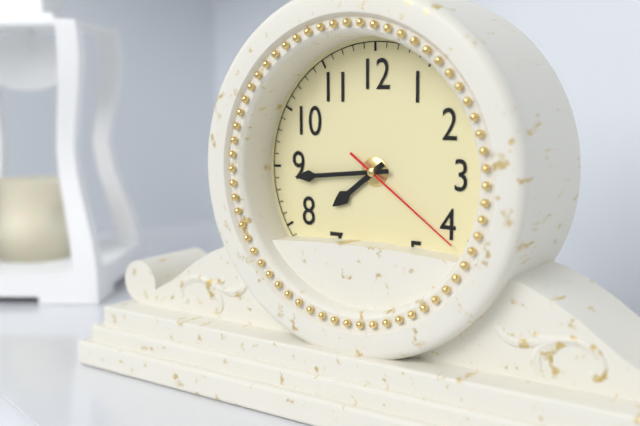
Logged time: h=7 m=44 s=21
